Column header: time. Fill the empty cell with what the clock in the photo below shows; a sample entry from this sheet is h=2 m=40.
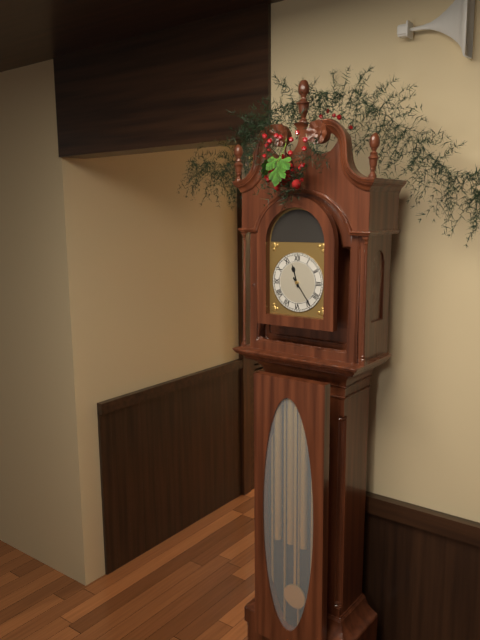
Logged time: h=11 m=24
